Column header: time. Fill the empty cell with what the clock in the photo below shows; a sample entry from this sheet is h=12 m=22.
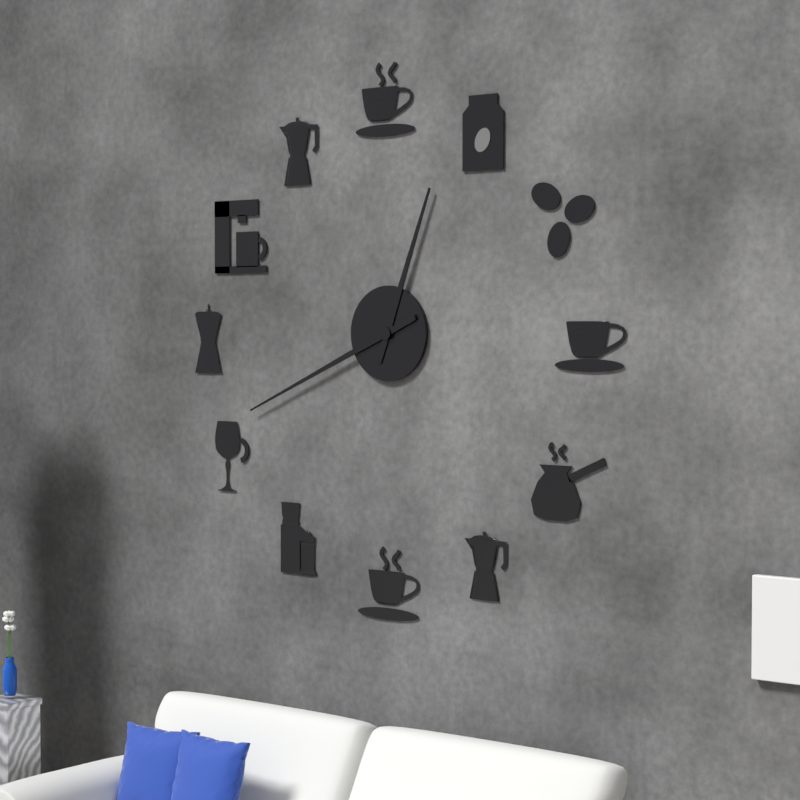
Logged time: h=12 m=41
